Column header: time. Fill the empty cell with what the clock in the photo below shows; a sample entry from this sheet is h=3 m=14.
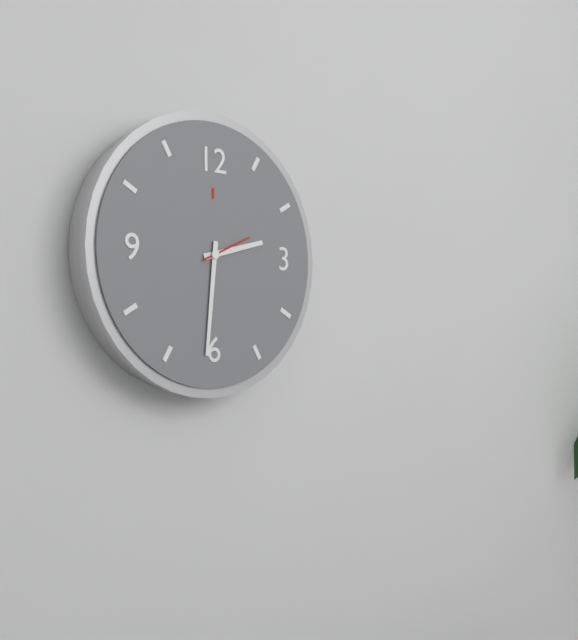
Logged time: h=2 m=31
